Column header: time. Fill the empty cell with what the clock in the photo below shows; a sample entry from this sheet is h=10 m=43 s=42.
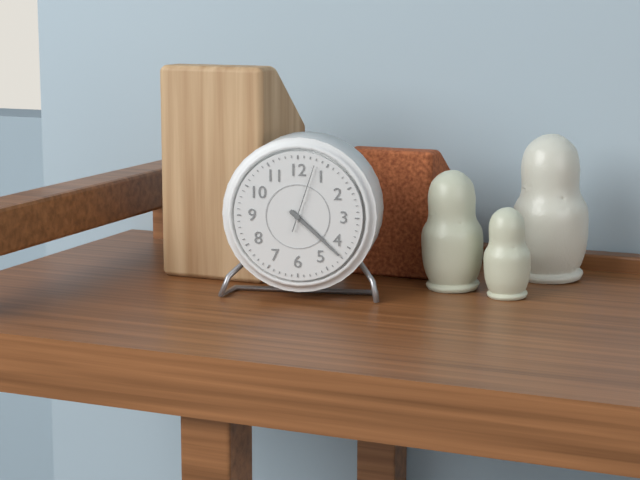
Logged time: h=4 m=22 s=3
